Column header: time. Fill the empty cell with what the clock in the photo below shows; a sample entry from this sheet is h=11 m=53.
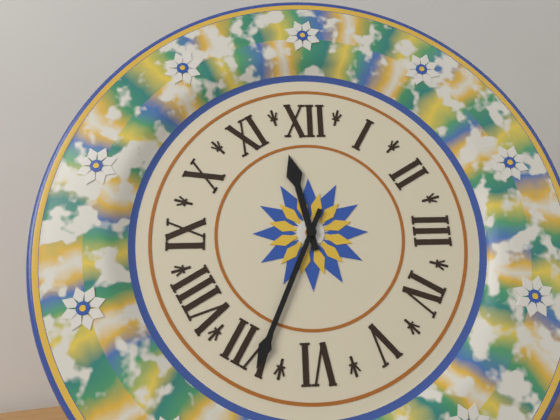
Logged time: h=11 m=34
